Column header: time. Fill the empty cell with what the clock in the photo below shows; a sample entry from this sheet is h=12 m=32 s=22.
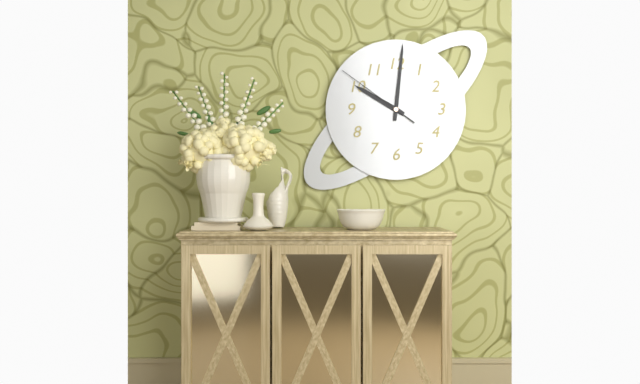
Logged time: h=10 m=1 s=51
